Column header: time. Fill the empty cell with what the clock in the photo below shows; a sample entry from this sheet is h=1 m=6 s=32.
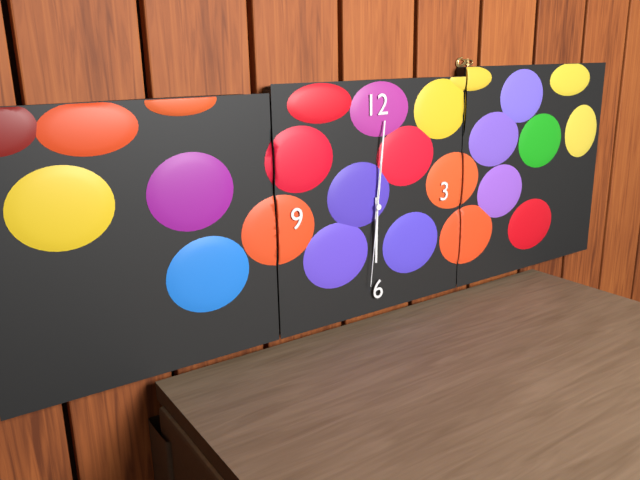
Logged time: h=6 m=1 s=31
